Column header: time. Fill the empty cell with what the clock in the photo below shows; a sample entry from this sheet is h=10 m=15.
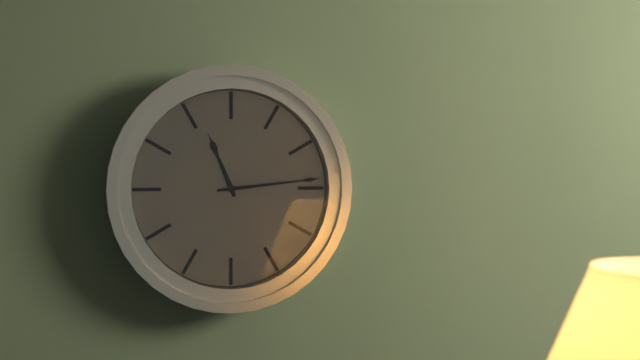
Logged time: h=11 m=14
